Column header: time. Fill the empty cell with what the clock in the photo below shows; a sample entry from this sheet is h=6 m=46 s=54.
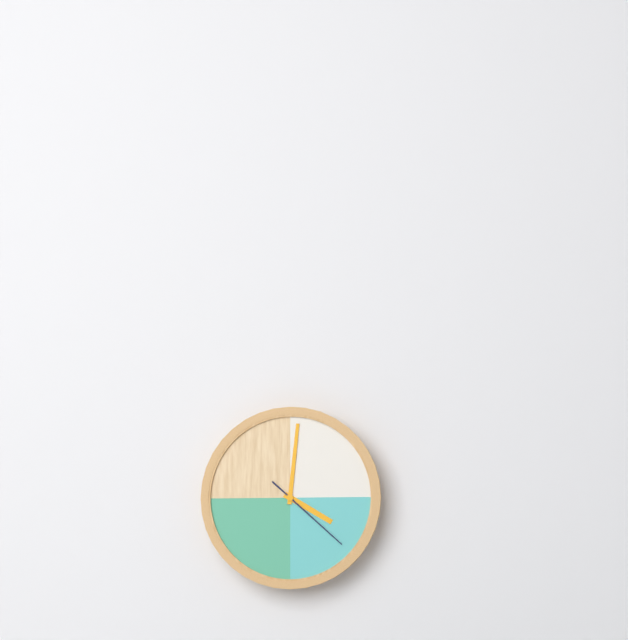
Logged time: h=4 m=1 s=22
